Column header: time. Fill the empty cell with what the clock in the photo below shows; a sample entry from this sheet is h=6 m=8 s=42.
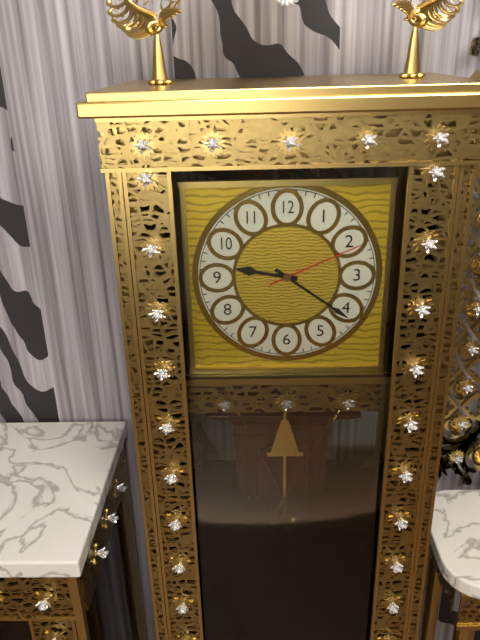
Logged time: h=9 m=21 s=11
